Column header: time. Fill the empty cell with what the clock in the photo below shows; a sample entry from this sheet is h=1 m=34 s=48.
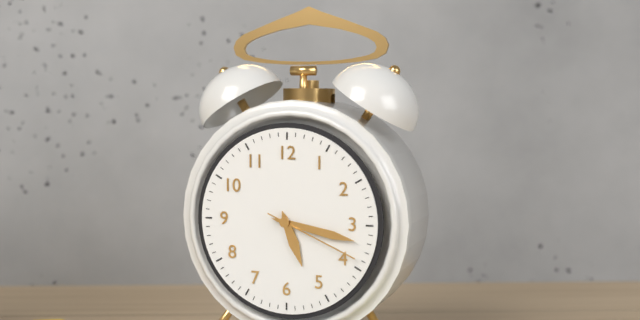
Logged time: h=5 m=17 s=19
